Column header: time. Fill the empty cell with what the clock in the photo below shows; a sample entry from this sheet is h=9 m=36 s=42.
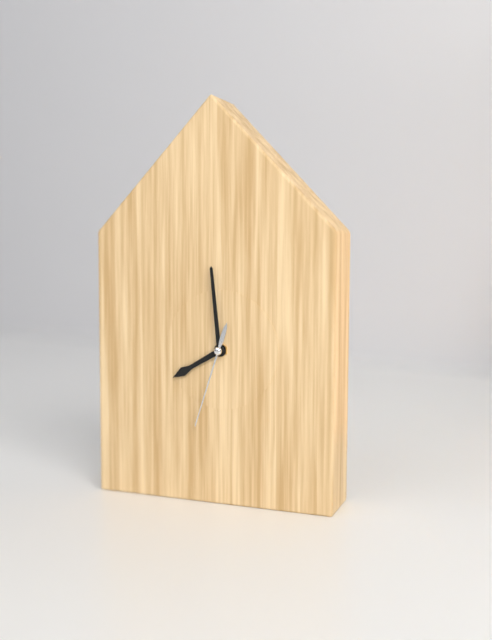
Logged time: h=7 m=59 s=33
